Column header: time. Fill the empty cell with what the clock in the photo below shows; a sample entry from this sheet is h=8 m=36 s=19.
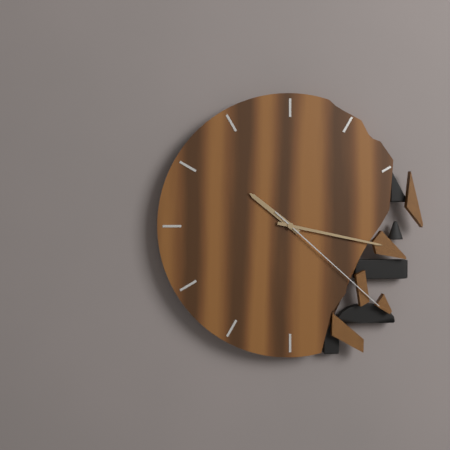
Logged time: h=10 m=17 s=22
